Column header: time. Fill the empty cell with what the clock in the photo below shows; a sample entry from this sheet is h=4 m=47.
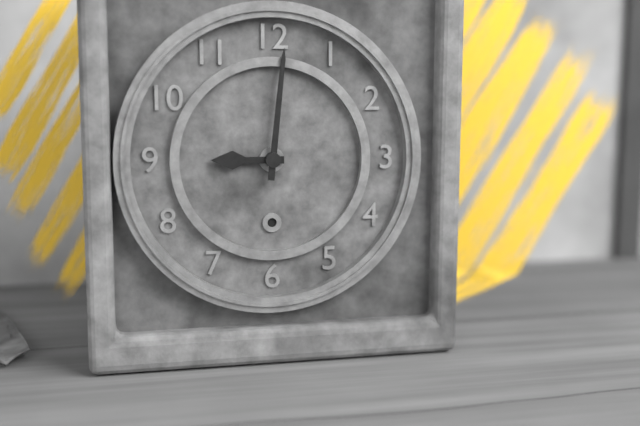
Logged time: h=9 m=1
